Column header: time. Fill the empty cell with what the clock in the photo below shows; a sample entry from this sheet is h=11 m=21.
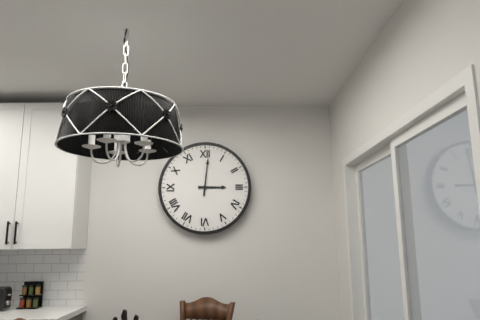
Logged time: h=3 m=1
